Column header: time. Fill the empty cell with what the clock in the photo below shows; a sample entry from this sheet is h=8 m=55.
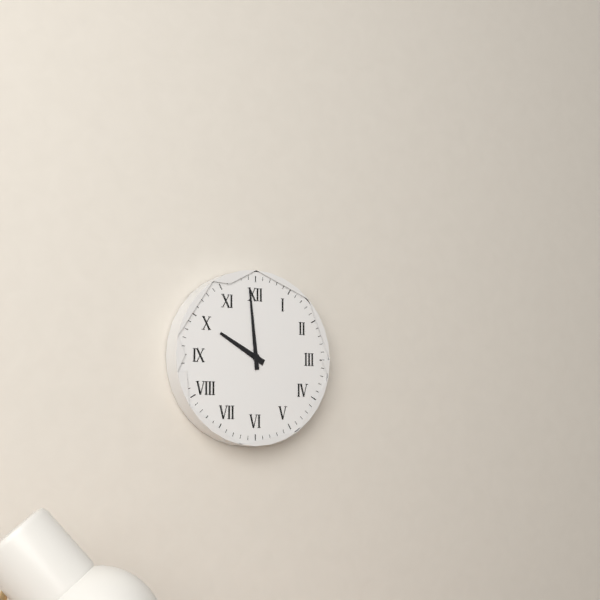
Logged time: h=9 m=59
